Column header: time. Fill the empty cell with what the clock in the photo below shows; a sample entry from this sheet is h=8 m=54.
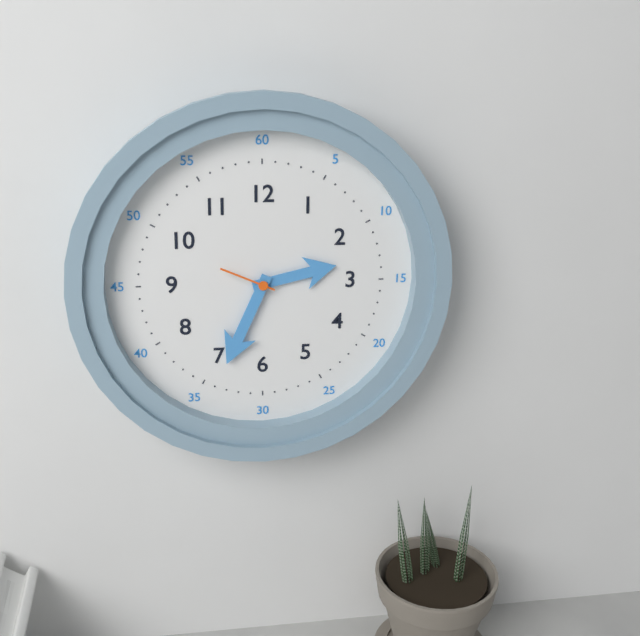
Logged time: h=2 m=34
